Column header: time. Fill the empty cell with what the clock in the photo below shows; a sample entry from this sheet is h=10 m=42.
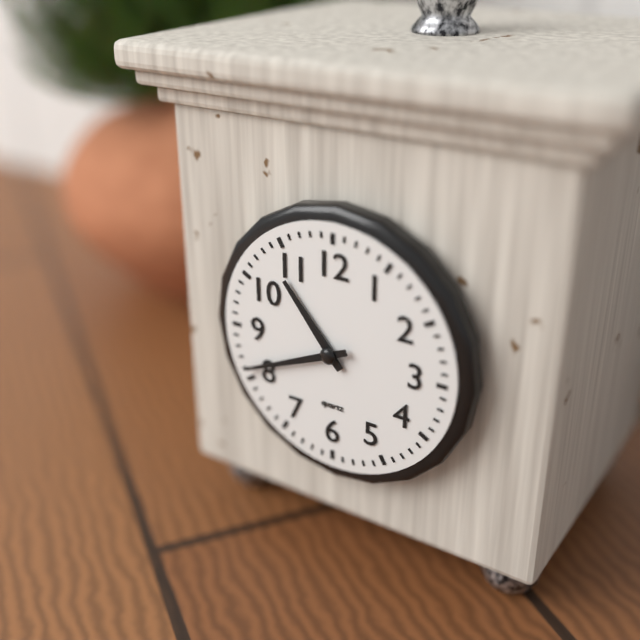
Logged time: h=10 m=41
